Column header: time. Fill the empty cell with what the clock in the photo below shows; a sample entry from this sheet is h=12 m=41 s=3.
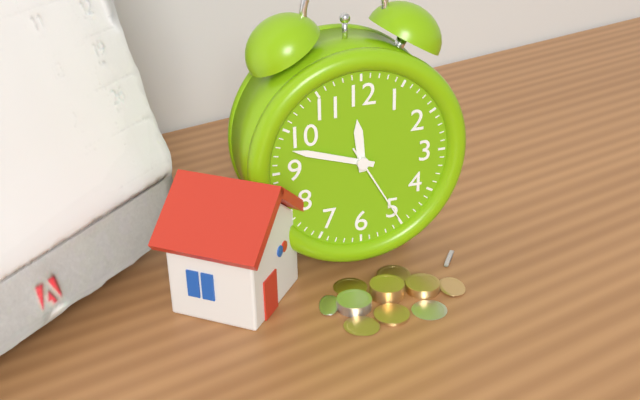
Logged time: h=11 m=48 s=25
